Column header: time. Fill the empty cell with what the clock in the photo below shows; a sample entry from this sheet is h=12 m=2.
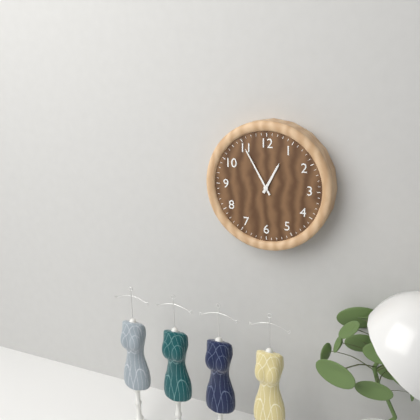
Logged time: h=12 m=55
